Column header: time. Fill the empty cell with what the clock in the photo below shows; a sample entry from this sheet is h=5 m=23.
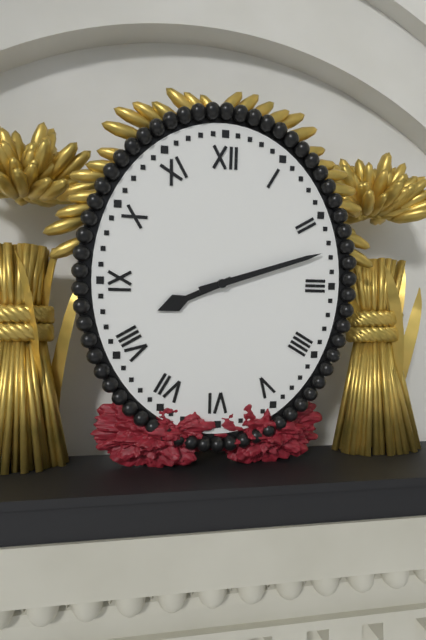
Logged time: h=8 m=12
